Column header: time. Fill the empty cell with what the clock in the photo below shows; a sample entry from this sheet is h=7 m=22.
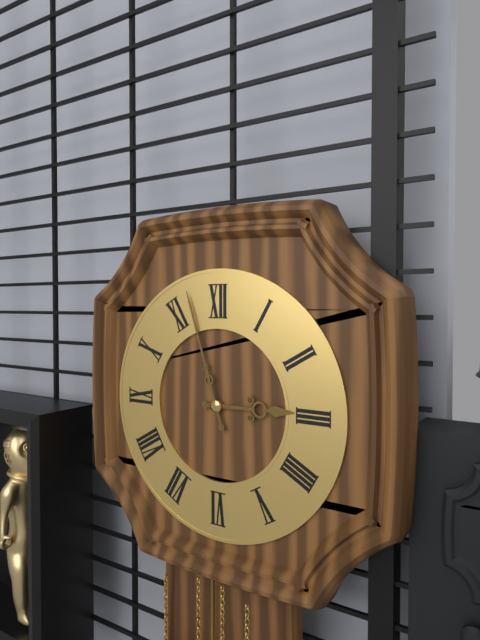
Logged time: h=2 m=57
